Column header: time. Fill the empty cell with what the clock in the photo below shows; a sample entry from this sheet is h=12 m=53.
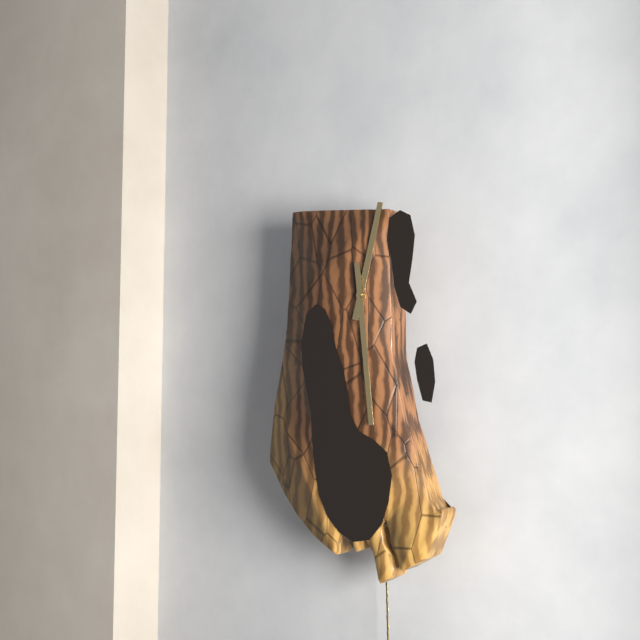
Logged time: h=12 m=29
